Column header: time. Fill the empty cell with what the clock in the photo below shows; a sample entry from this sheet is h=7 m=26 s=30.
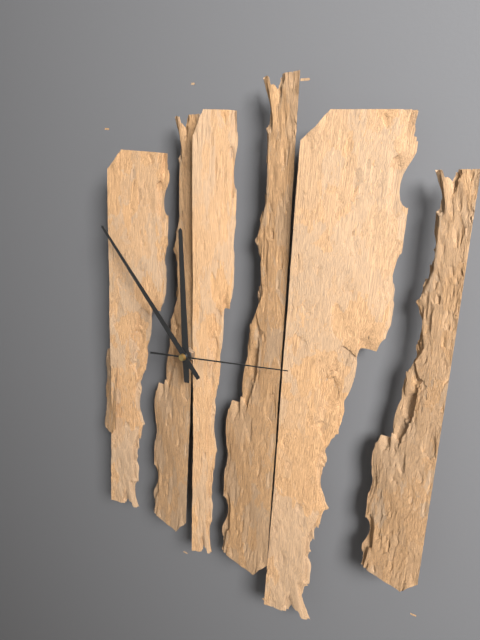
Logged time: h=11 m=53 s=14
